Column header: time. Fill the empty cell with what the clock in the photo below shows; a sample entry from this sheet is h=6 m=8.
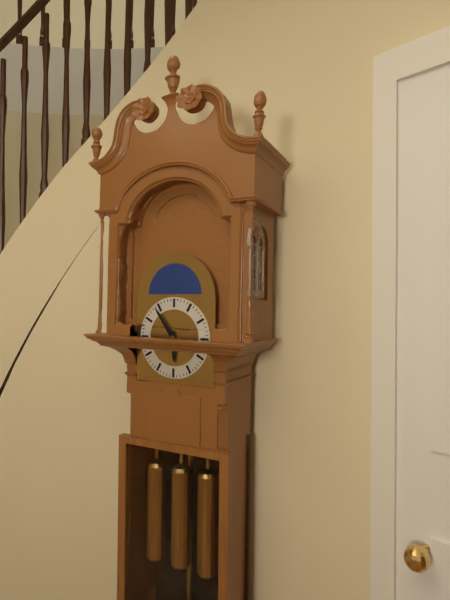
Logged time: h=5 m=54
